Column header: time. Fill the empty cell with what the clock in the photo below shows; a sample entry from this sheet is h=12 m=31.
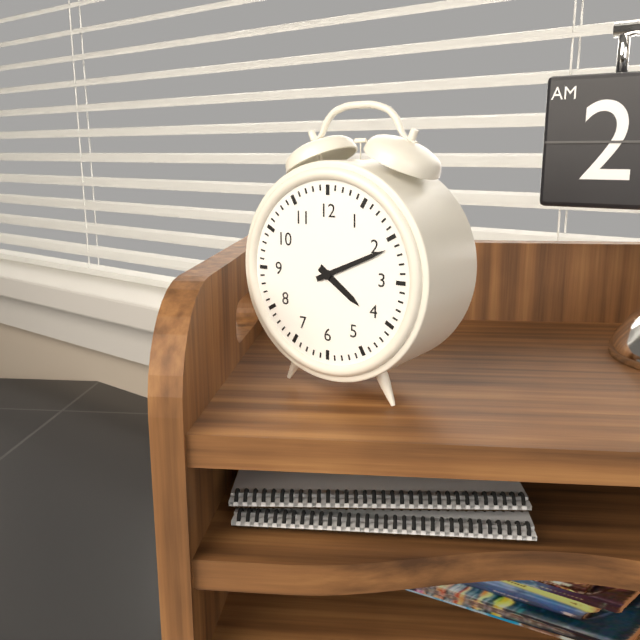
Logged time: h=4 m=11
